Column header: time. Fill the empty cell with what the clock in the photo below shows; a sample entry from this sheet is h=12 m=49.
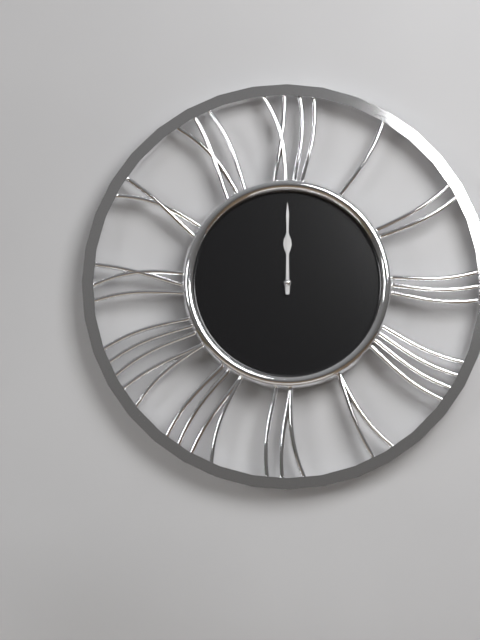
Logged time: h=12 m=0
